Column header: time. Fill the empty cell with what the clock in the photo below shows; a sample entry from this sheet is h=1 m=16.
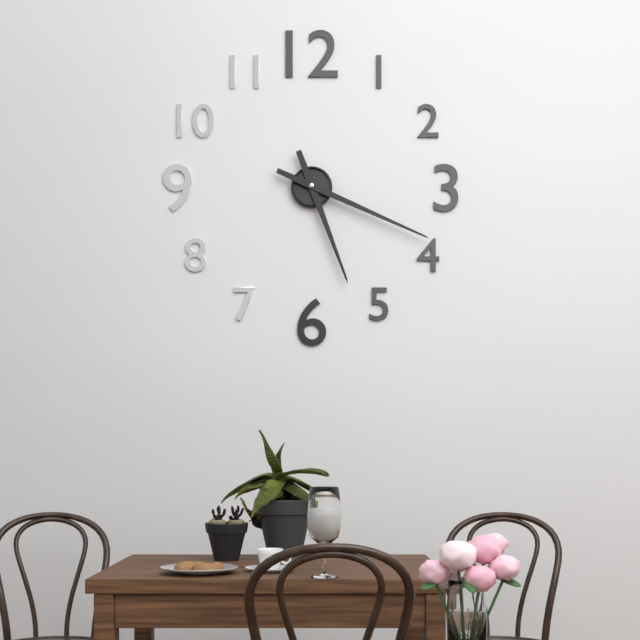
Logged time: h=5 m=19
